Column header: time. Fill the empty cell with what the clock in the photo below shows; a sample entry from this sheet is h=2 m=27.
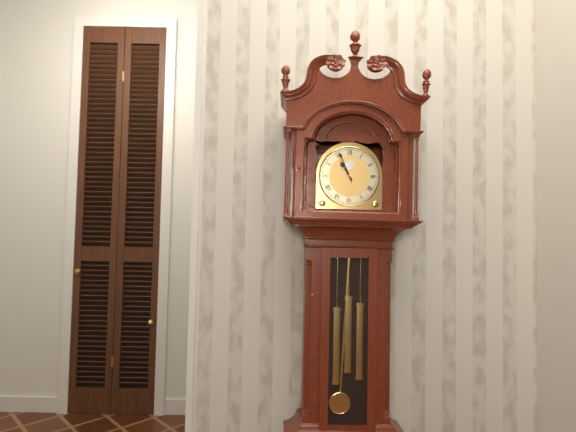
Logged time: h=10 m=56
